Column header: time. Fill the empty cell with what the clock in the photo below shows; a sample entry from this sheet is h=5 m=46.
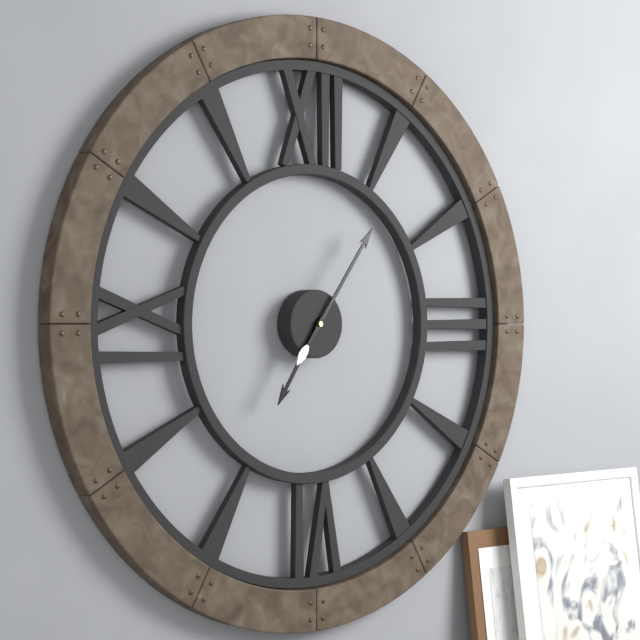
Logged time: h=7 m=6
